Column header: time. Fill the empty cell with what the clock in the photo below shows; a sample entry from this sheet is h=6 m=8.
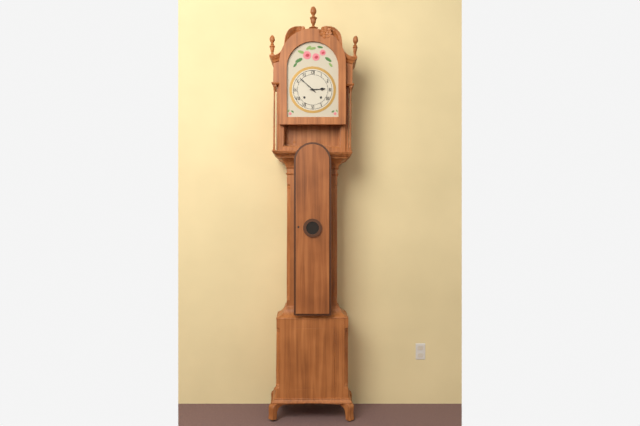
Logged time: h=2 m=52
